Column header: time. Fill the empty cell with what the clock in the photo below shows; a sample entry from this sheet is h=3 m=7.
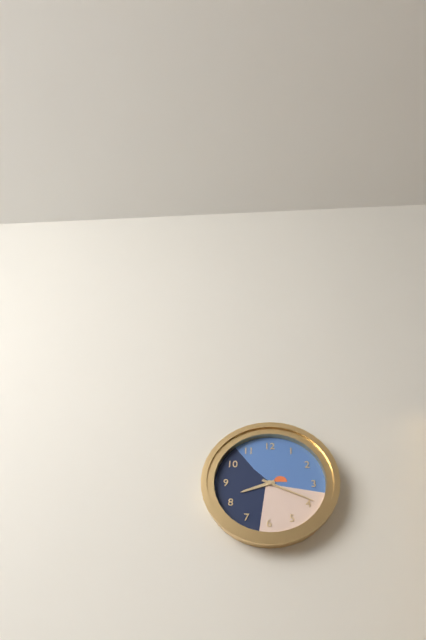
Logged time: h=8 m=19
